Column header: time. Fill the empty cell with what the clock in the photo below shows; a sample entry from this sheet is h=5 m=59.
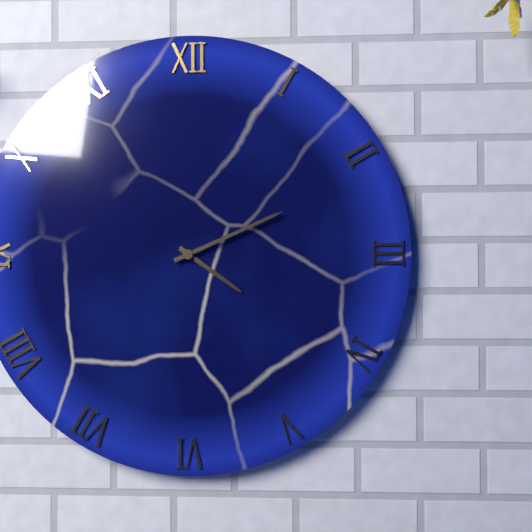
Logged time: h=4 m=11
